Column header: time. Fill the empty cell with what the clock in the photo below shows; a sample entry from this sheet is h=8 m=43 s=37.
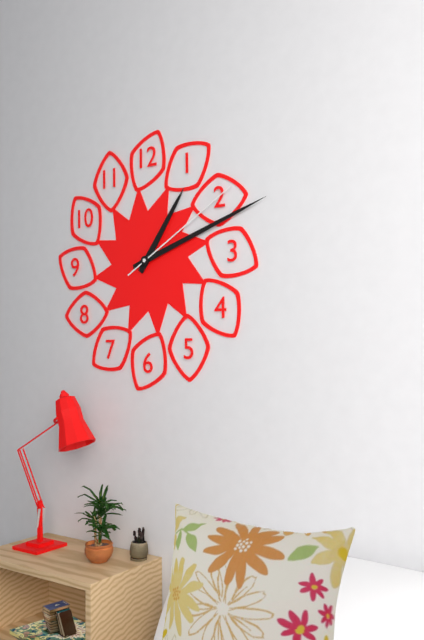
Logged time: h=1 m=12 s=10
